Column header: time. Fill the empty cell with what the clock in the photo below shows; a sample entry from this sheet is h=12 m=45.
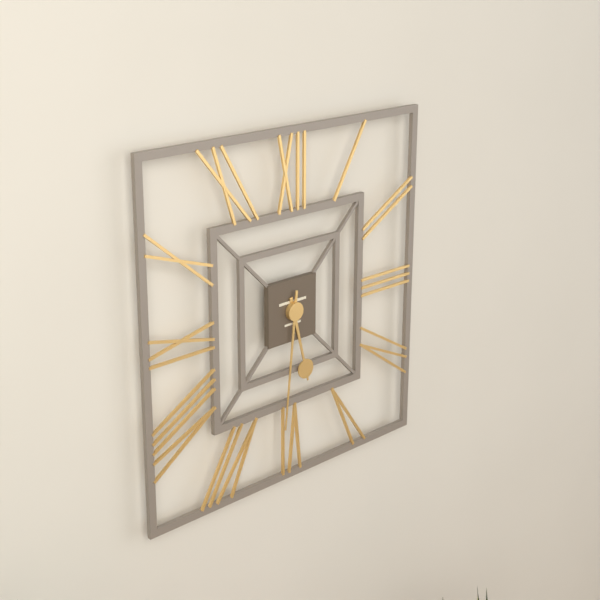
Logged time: h=5 m=31
